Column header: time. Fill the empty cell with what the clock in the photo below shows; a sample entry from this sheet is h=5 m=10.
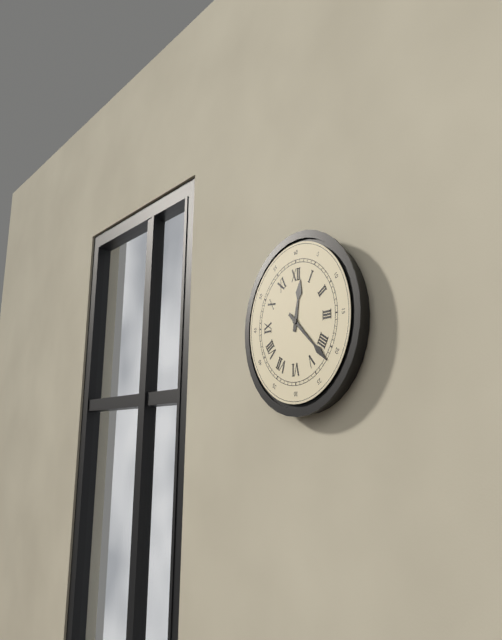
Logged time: h=12 m=22
